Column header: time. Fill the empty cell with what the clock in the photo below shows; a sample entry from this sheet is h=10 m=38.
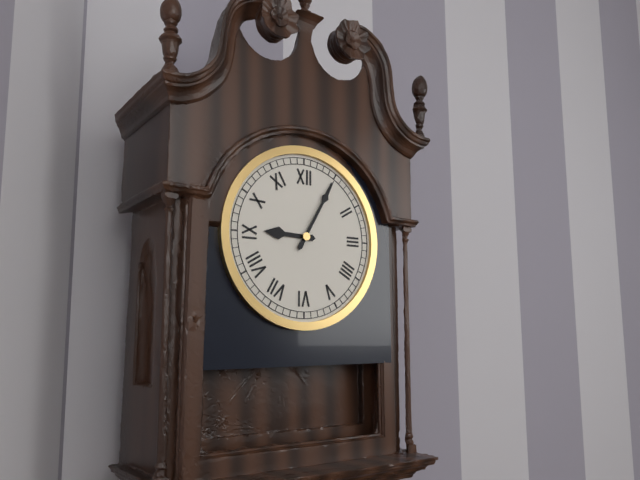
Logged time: h=9 m=5
